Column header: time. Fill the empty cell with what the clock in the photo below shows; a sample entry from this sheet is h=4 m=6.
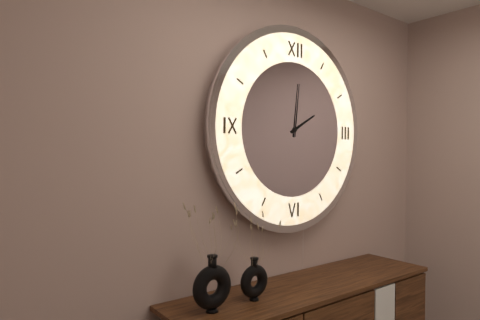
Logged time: h=2 m=1
